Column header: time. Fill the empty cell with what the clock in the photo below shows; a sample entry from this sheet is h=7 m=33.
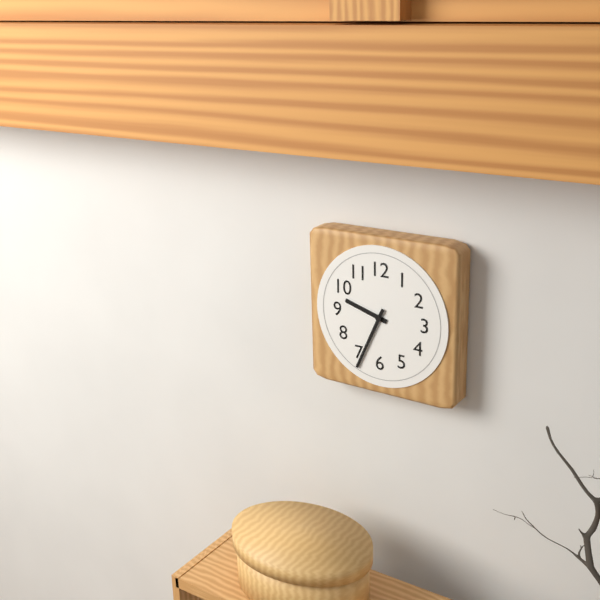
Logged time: h=9 m=34
